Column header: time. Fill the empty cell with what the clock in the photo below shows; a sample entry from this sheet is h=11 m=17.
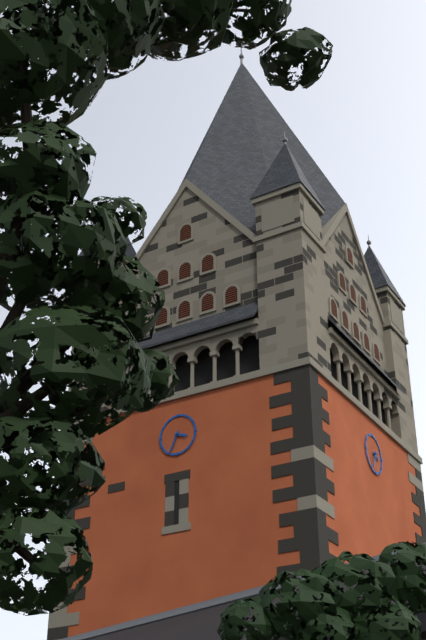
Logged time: h=3 m=34
